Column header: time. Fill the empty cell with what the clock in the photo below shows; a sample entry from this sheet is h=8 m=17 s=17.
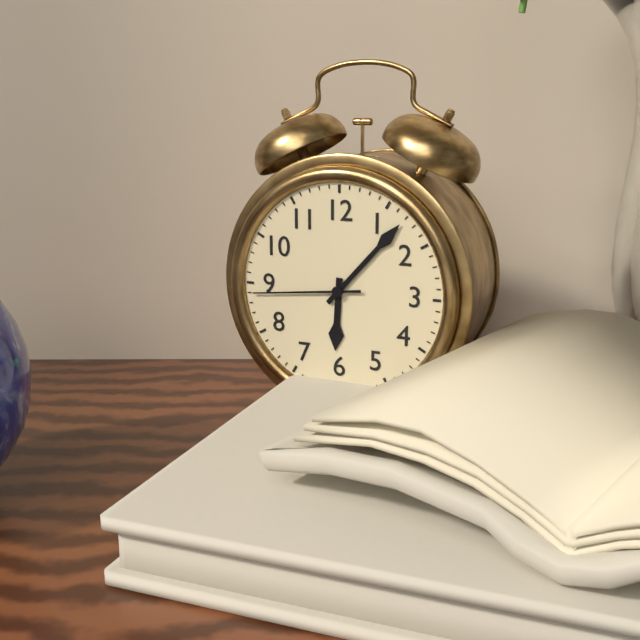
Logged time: h=6 m=7 s=44
